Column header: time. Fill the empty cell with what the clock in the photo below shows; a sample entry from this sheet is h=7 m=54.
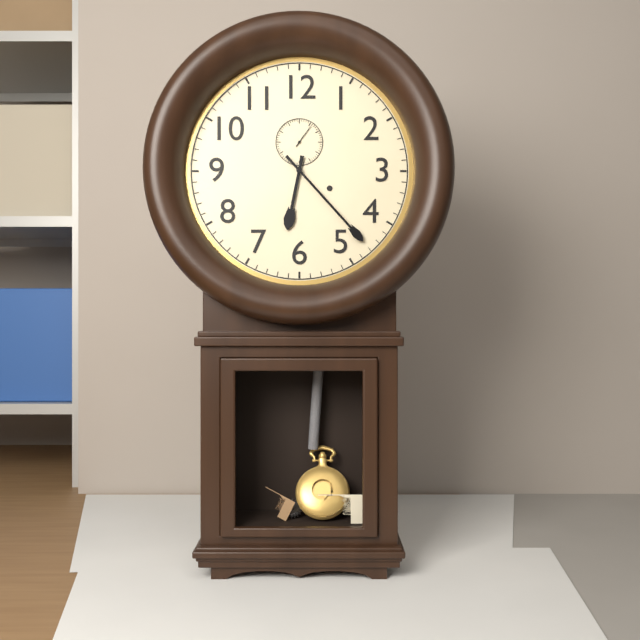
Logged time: h=6 m=23
